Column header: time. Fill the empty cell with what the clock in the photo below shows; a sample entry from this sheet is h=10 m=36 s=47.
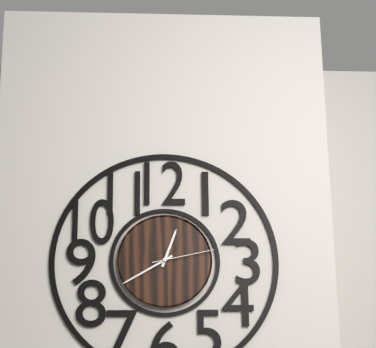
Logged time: h=12 m=40 s=13
